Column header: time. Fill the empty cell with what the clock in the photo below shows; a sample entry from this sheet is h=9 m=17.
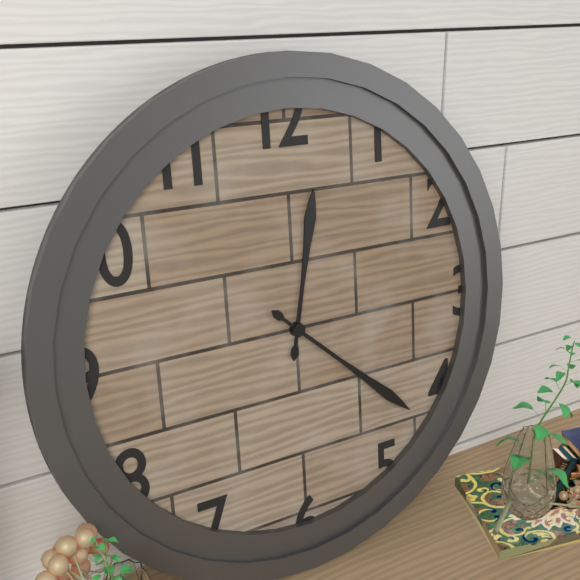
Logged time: h=12 m=22
